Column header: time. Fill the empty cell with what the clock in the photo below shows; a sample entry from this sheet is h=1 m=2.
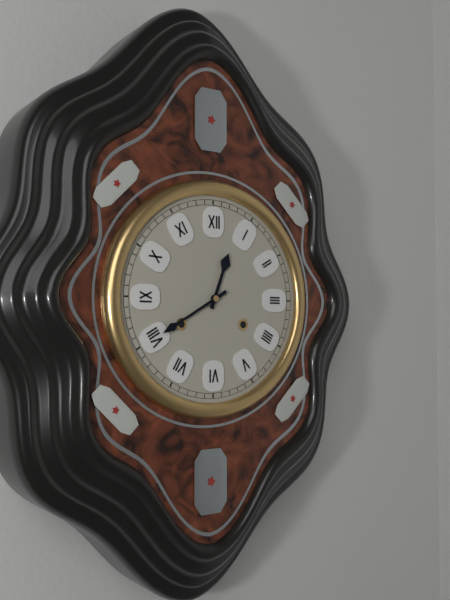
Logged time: h=12 m=40
